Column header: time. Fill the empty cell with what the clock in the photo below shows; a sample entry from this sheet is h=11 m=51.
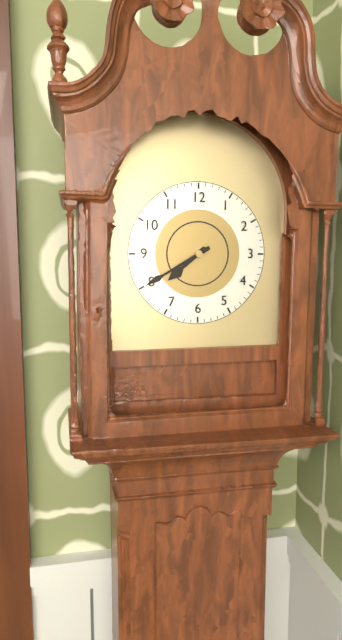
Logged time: h=7 m=40
